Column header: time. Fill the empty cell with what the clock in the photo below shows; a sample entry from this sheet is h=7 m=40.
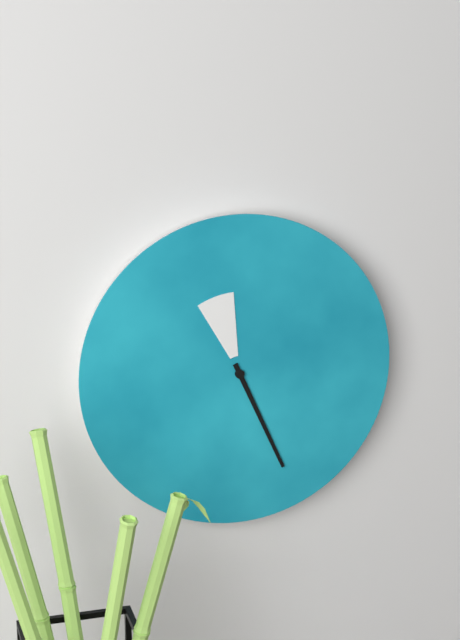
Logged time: h=11 m=26
